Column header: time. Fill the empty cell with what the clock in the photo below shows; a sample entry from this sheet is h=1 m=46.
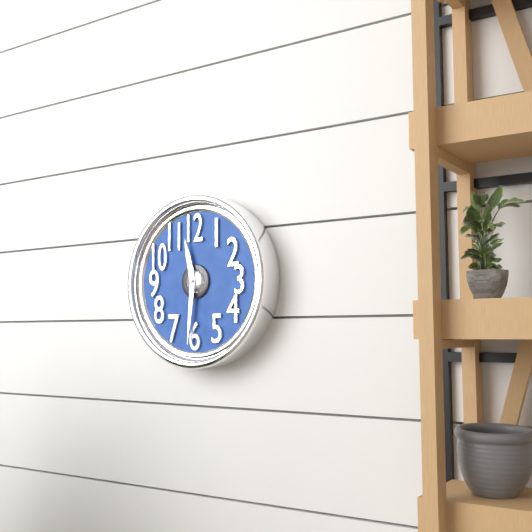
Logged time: h=11 m=31
